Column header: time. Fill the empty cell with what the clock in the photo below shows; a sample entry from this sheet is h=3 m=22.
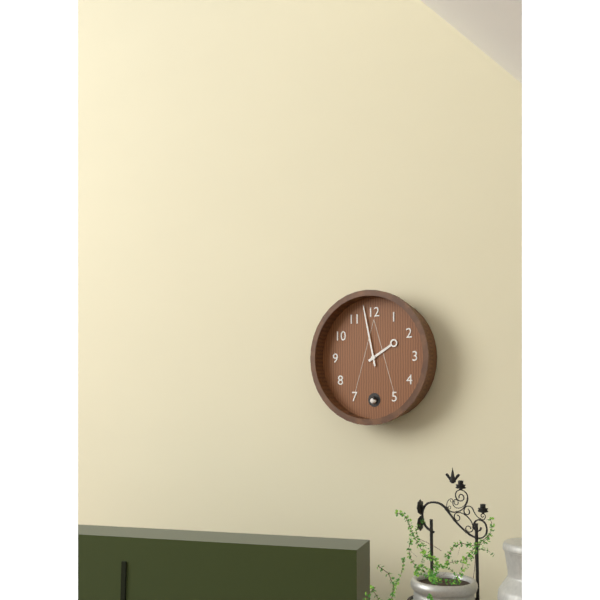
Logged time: h=1 m=58
